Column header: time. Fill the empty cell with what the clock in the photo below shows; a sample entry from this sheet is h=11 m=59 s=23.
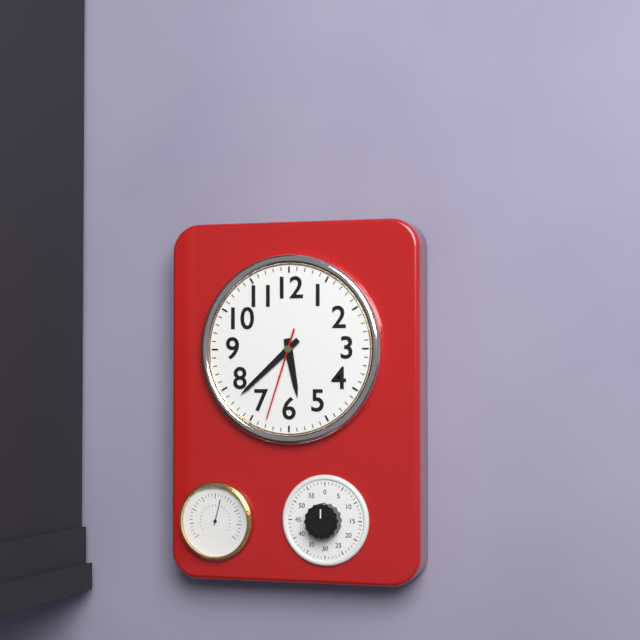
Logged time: h=5 m=38 s=33
